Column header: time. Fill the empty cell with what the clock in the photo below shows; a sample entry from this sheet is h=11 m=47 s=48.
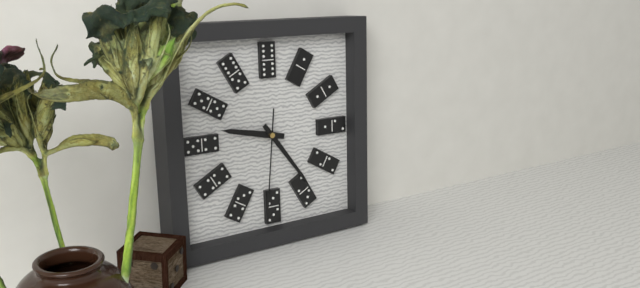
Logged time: h=9 m=24 s=31
